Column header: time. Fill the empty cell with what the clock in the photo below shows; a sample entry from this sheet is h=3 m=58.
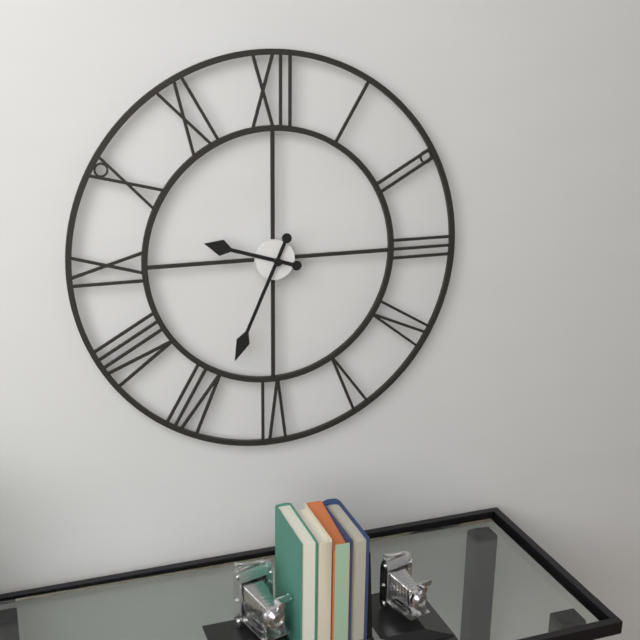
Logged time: h=9 m=34
